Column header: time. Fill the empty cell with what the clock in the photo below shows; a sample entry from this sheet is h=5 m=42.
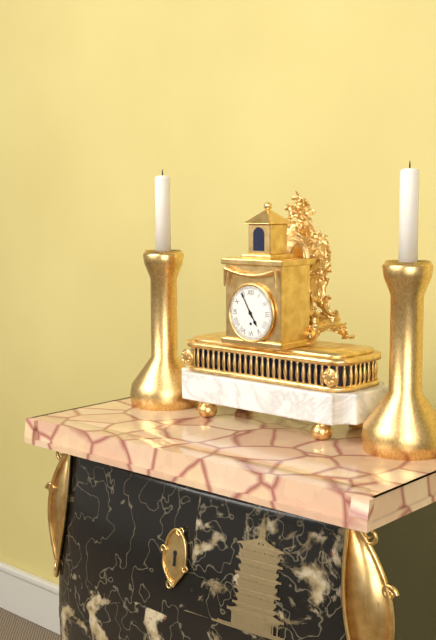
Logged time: h=4 m=55
